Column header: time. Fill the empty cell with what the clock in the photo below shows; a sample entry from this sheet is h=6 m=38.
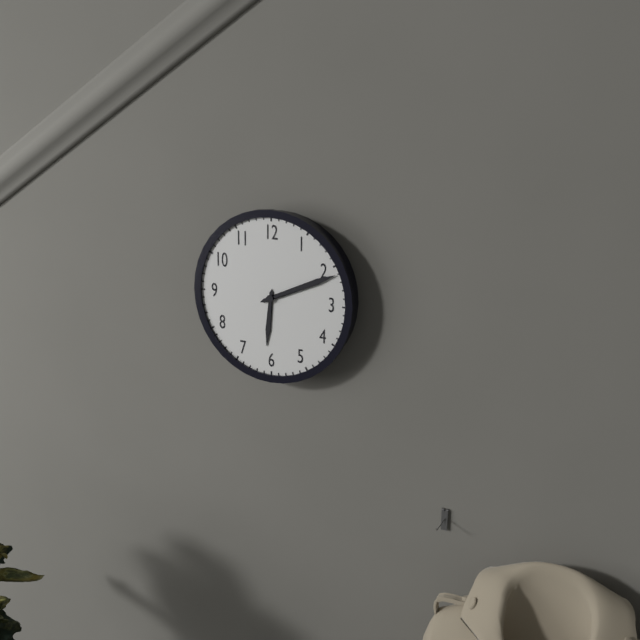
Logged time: h=6 m=11
